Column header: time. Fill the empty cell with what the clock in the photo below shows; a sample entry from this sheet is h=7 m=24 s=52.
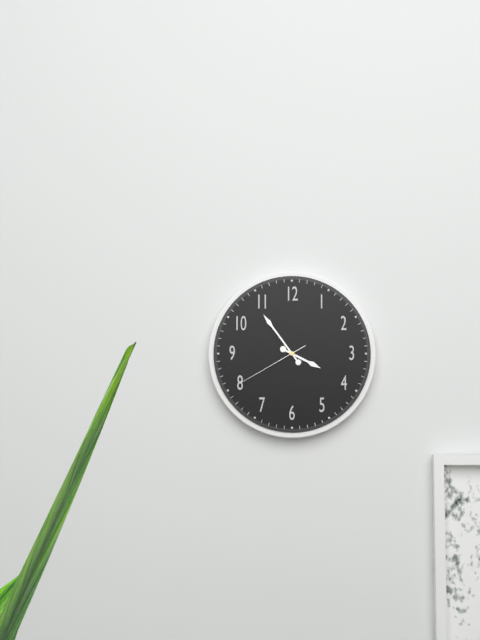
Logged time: h=3 m=54 s=40
